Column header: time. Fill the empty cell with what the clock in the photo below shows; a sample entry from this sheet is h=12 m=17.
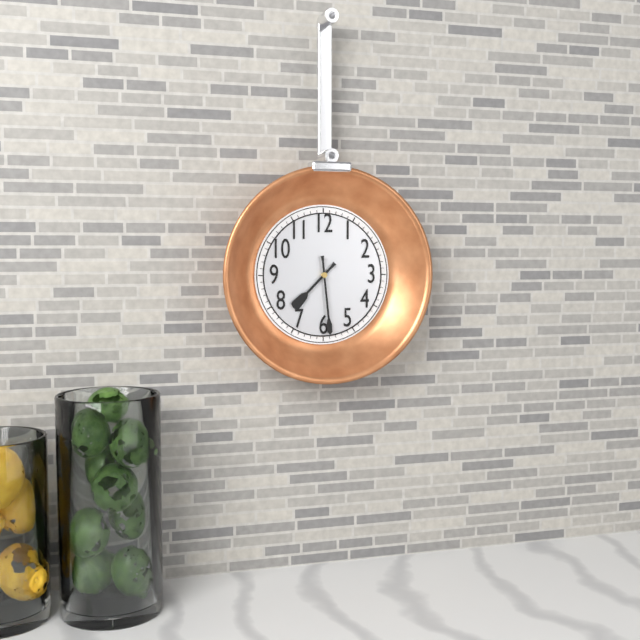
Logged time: h=7 m=29
